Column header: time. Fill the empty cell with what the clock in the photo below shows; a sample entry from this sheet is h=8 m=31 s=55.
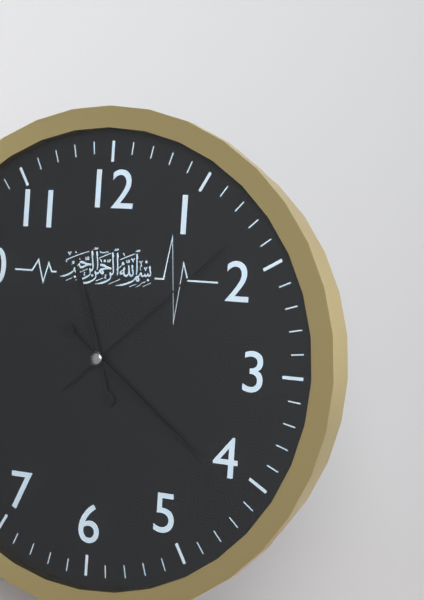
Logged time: h=11 m=21 s=8
